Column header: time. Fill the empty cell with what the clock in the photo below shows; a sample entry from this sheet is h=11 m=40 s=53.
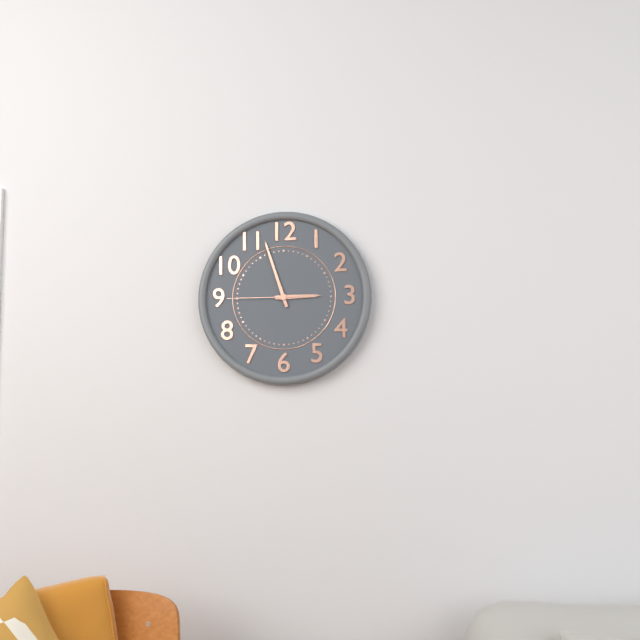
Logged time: h=2 m=57 s=45
